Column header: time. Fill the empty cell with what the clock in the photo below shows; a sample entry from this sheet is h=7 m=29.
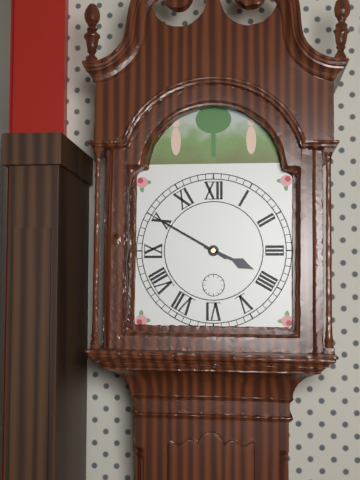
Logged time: h=3 m=50
